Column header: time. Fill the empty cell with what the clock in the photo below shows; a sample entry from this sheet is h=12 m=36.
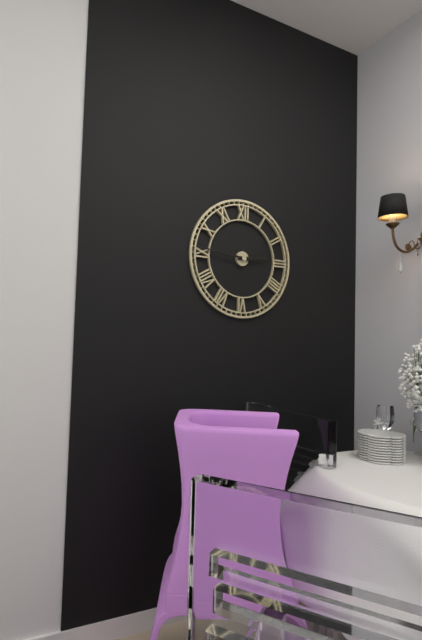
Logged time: h=2 m=46
